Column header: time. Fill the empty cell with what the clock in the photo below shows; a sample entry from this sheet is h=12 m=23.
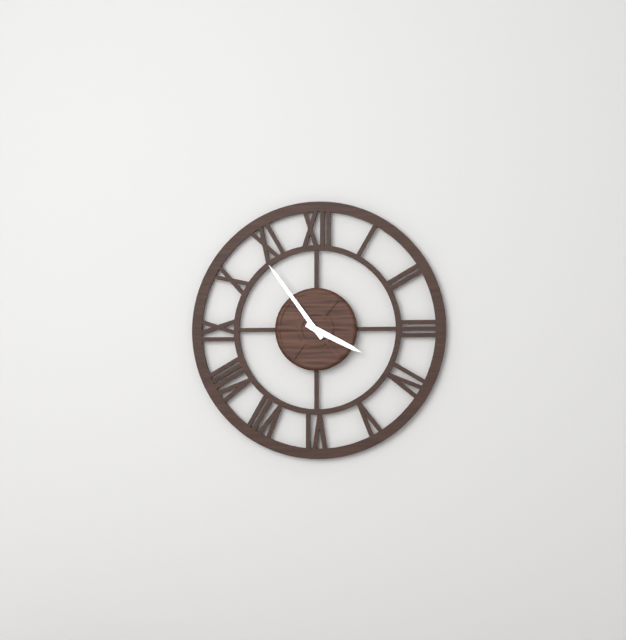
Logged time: h=3 m=54
